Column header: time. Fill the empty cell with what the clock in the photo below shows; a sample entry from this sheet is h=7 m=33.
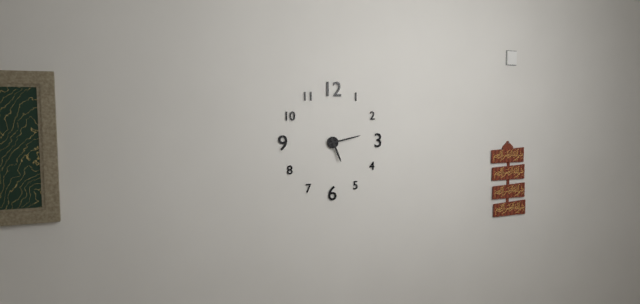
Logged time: h=5 m=13
